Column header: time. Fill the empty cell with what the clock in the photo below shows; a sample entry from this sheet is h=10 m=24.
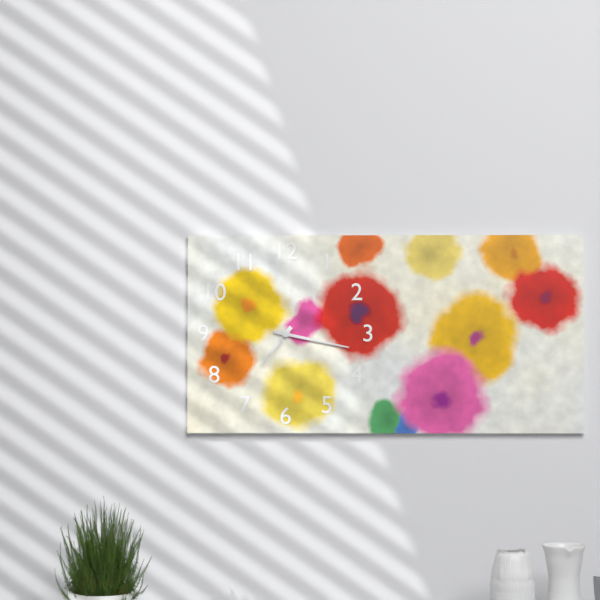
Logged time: h=7 m=17
